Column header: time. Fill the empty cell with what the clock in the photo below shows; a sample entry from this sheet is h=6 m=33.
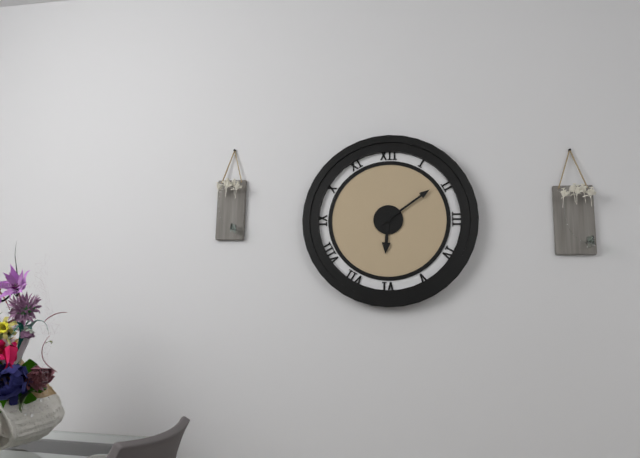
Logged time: h=6 m=9
